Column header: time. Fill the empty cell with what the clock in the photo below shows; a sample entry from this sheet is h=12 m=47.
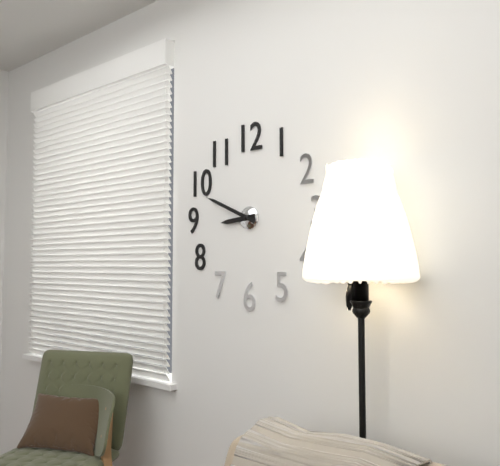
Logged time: h=8 m=49
